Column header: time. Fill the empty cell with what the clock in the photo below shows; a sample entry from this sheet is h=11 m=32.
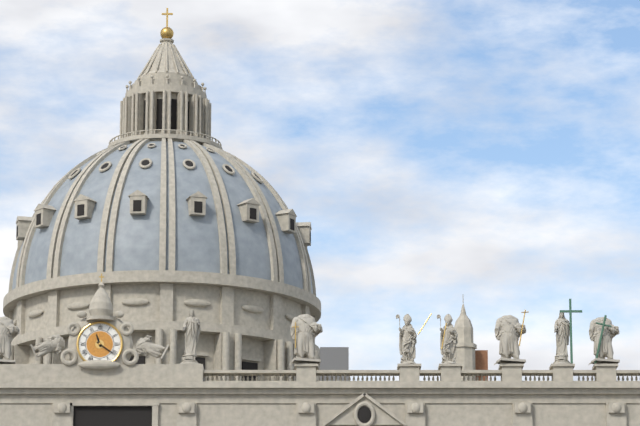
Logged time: h=11 m=21
